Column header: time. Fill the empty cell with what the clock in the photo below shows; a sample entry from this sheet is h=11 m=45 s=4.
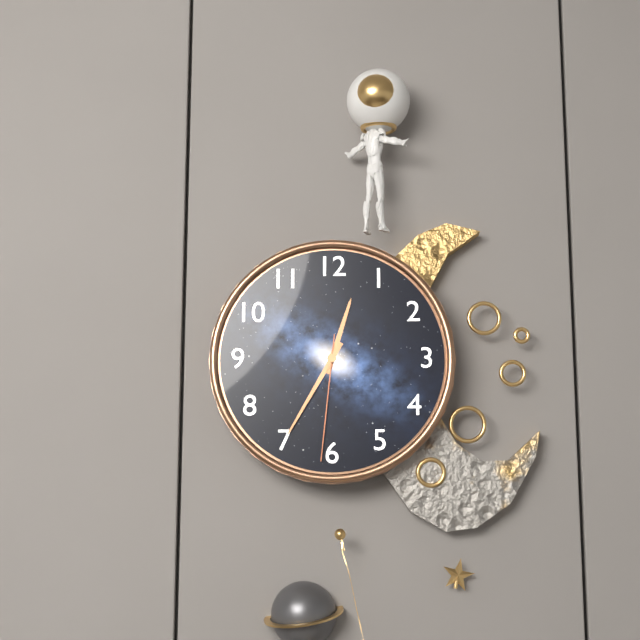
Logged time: h=12 m=35 s=31
